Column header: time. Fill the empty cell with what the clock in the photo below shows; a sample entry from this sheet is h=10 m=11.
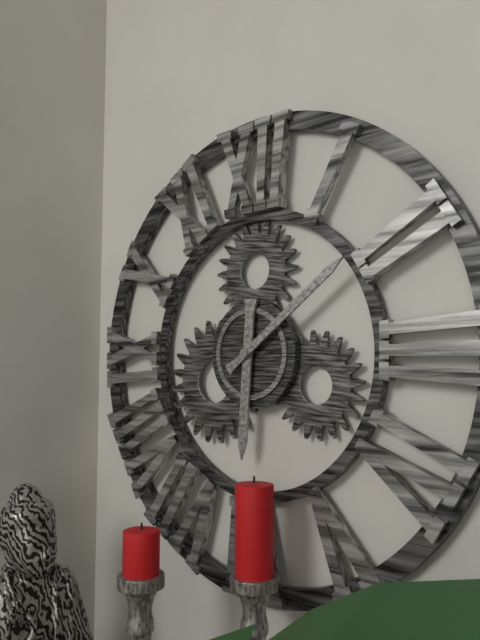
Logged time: h=6 m=9
